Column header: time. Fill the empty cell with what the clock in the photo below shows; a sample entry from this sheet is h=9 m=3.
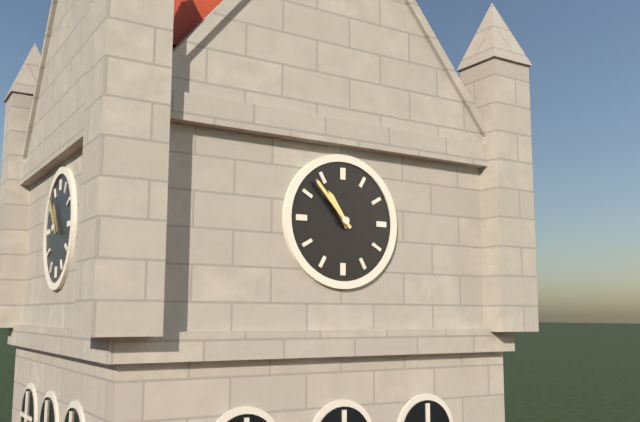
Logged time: h=10 m=53
